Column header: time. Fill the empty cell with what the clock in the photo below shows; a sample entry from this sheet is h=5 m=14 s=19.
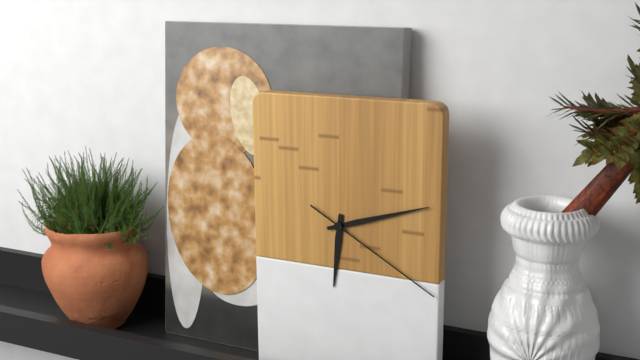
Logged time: h=6 m=12 s=20
